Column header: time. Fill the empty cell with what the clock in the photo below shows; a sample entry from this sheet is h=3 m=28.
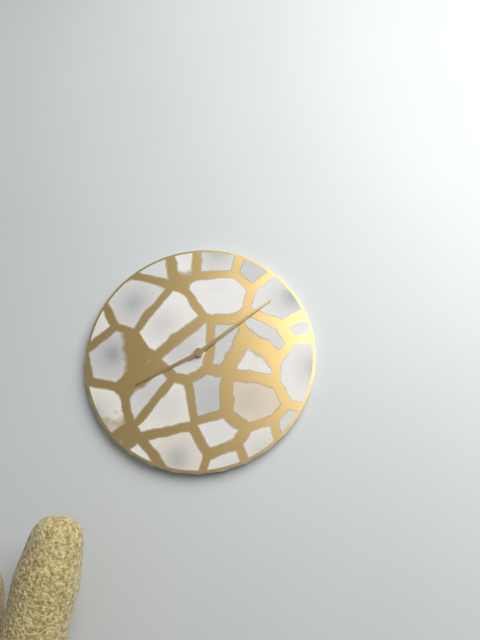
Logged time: h=8 m=9
